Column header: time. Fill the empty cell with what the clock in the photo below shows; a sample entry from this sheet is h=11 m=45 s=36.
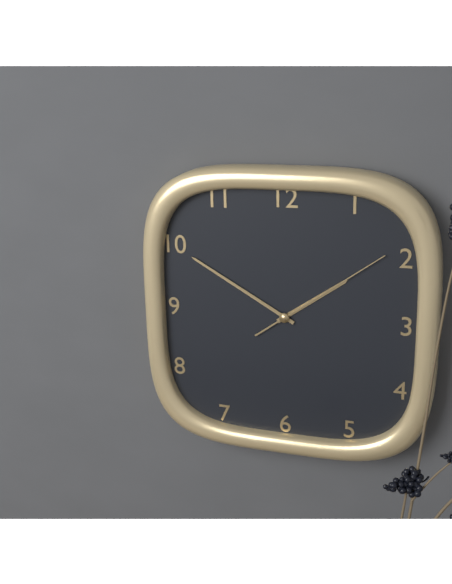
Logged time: h=1 m=50 s=9
